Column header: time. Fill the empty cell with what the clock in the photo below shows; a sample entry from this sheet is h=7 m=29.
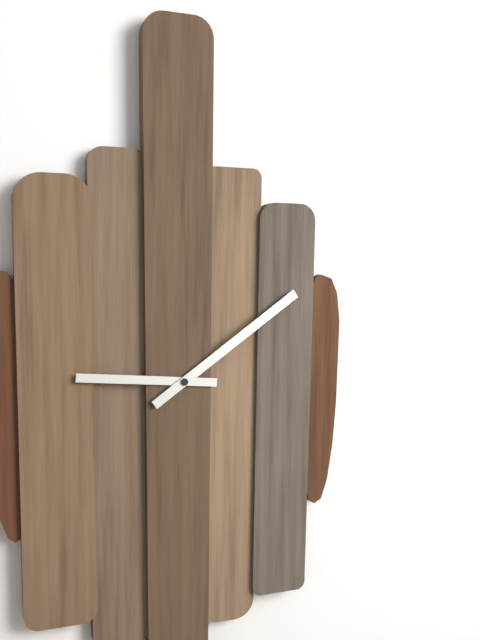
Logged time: h=9 m=9
